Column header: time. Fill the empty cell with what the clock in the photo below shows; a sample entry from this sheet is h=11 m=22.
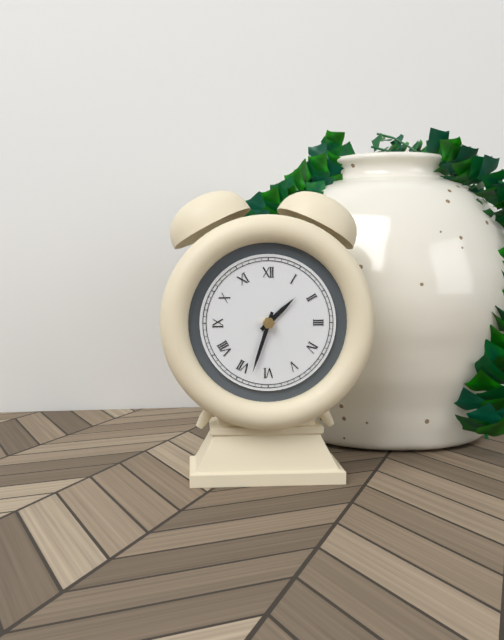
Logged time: h=1 m=33
